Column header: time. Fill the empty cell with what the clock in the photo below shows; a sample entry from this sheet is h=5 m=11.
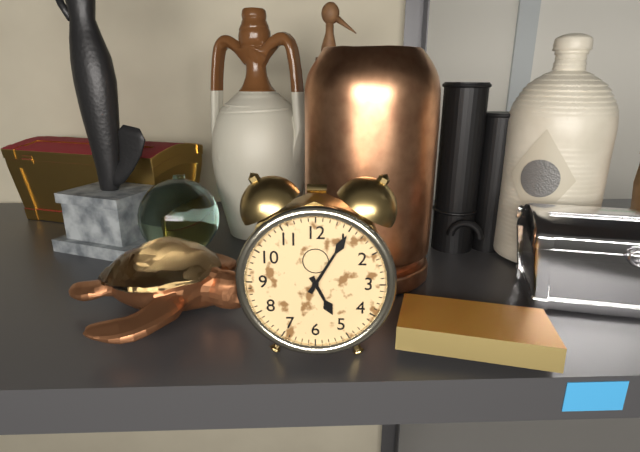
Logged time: h=5 m=5
